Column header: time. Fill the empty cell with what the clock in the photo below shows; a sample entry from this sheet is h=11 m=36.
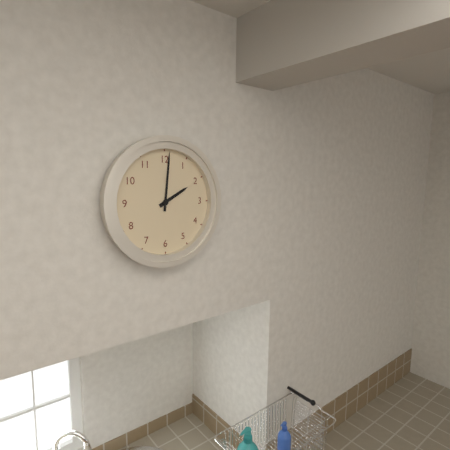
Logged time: h=2 m=1
